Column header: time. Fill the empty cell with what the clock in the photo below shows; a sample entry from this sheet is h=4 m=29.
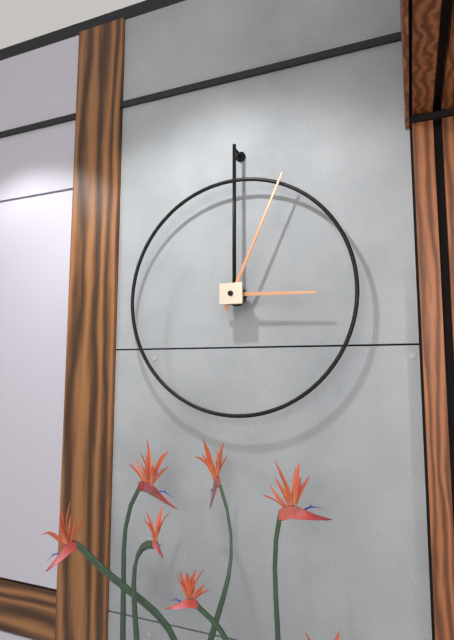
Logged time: h=3 m=4
